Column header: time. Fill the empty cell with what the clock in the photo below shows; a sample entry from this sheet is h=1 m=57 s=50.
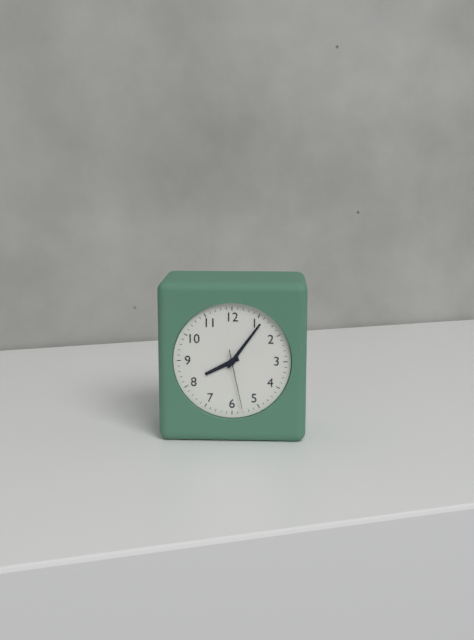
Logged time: h=8 m=6 s=28
